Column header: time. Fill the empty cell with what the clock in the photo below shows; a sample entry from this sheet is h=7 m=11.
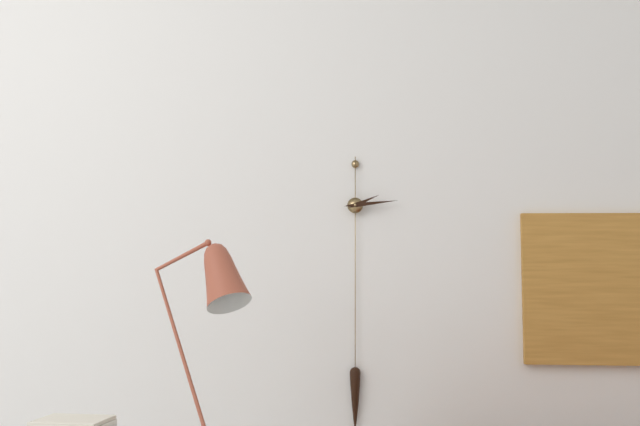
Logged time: h=2 m=14
